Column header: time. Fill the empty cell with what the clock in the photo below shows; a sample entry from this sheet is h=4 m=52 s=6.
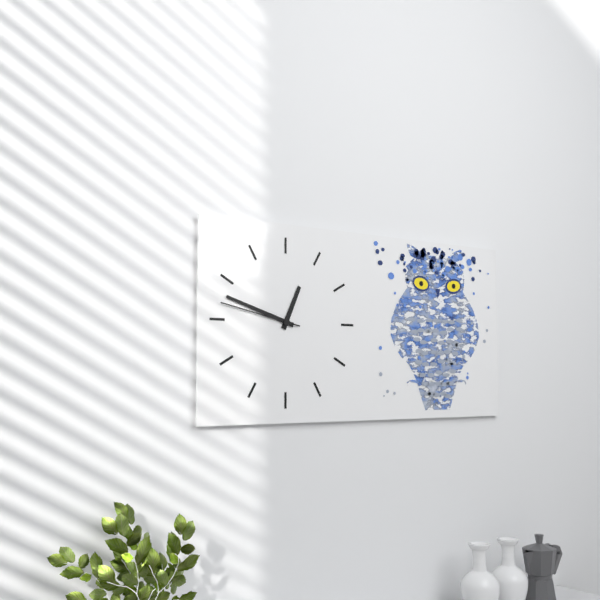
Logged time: h=12 m=48 s=47
